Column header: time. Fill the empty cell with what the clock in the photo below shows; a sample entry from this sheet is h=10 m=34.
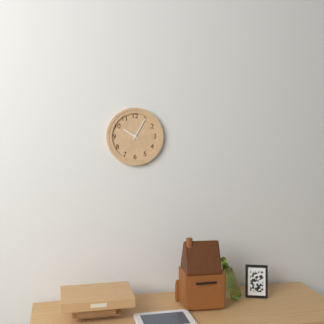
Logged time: h=10 m=5
